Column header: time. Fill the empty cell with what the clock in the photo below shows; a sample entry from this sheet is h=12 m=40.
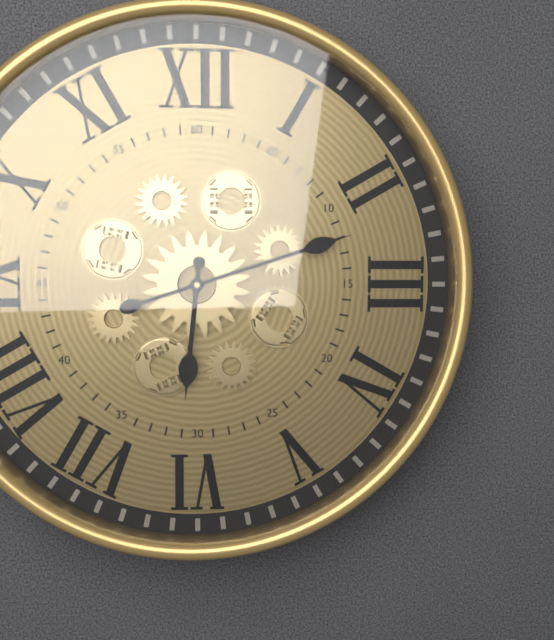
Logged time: h=6 m=12
